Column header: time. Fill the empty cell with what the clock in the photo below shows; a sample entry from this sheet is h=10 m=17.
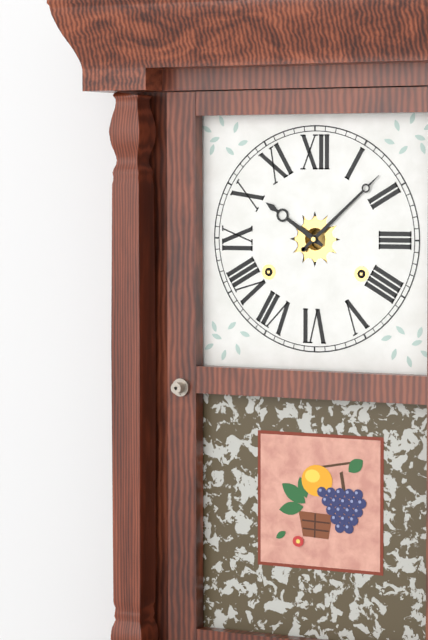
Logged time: h=10 m=8
